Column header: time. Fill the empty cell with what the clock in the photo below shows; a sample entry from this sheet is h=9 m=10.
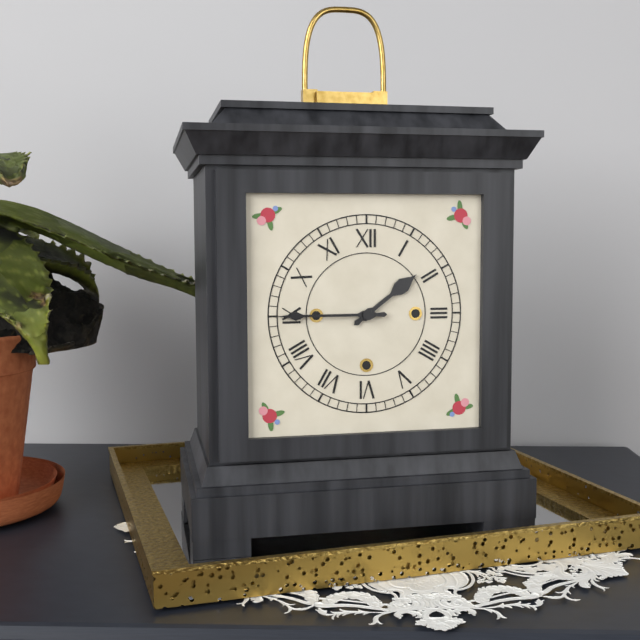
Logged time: h=1 m=45
